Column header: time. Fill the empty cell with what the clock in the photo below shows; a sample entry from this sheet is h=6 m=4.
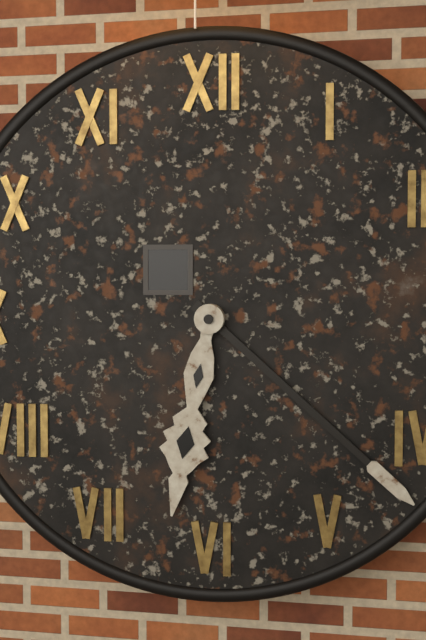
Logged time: h=6 m=22
